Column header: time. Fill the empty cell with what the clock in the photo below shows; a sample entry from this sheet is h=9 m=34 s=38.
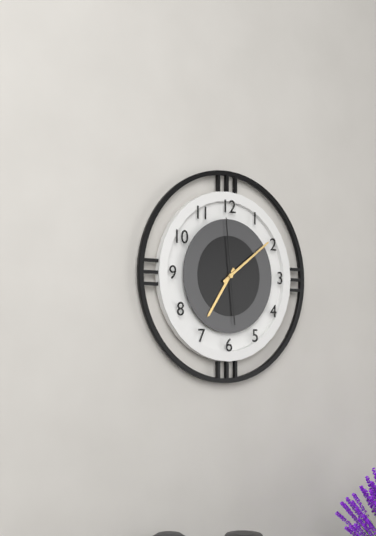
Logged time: h=7 m=9 s=59
